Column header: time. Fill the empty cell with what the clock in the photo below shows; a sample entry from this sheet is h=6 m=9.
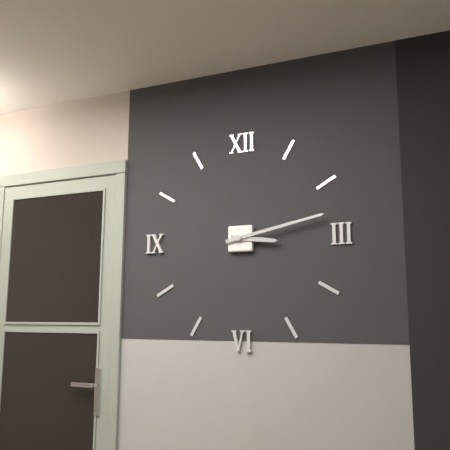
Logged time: h=3 m=13
